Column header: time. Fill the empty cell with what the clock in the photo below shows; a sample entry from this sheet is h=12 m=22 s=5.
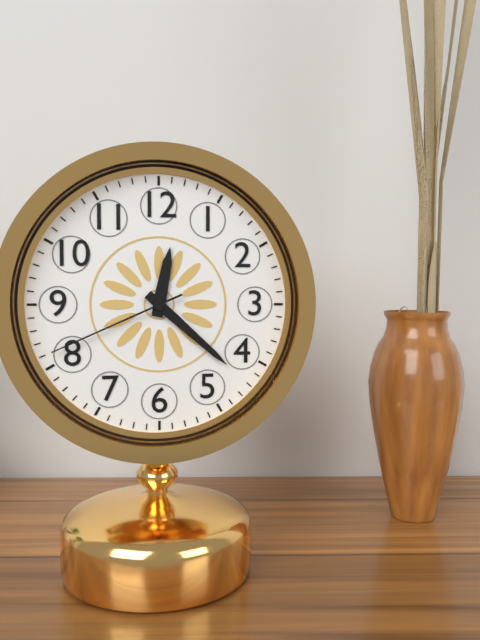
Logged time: h=12 m=22 s=41
